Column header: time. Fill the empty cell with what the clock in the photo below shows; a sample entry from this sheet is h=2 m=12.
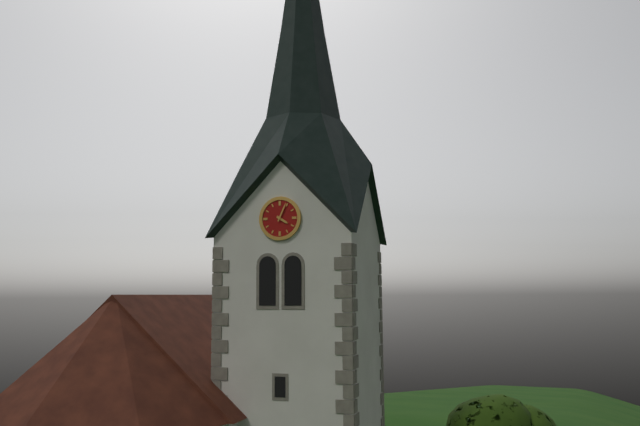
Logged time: h=4 m=4
